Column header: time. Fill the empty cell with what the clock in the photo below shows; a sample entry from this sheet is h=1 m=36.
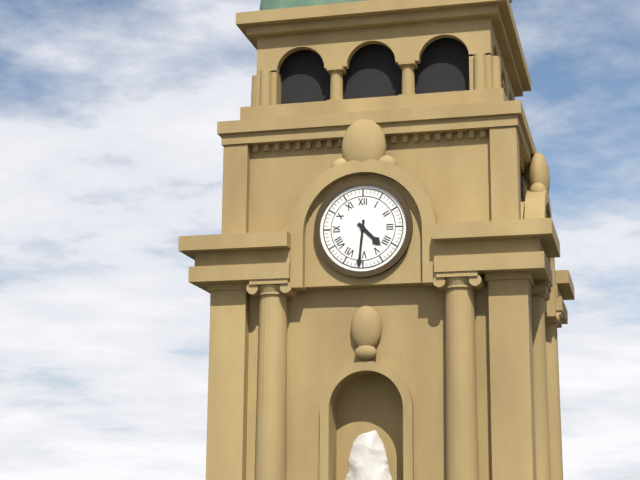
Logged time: h=4 m=31
